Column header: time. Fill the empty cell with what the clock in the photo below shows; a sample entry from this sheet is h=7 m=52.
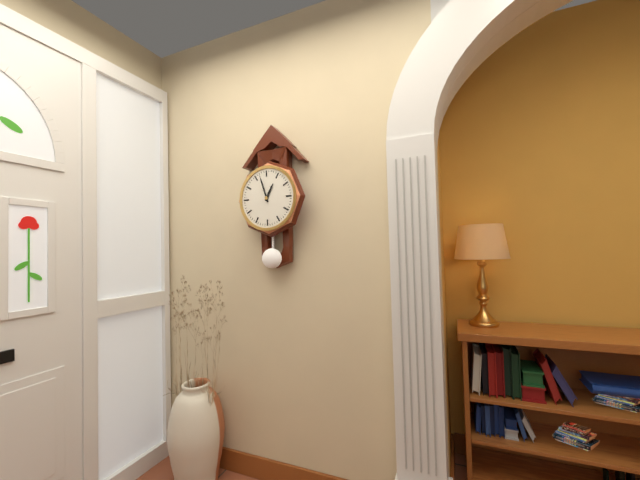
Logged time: h=12 m=57
